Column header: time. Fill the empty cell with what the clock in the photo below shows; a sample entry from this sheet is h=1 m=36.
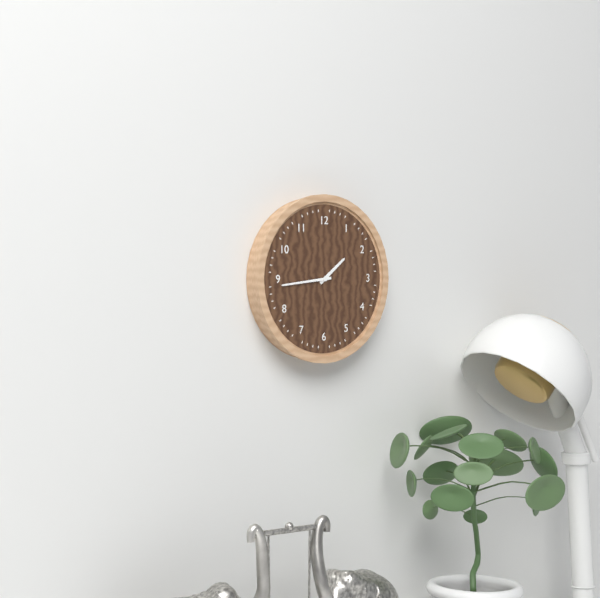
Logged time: h=1 m=44
